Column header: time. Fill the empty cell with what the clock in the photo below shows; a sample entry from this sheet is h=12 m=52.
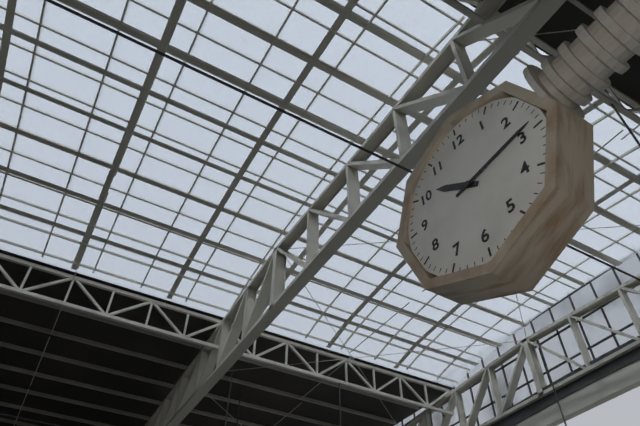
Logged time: h=10 m=14
